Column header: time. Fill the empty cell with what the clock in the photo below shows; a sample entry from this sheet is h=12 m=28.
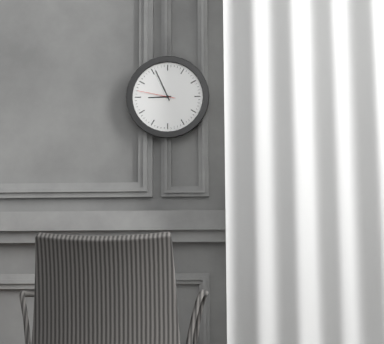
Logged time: h=8 m=56
